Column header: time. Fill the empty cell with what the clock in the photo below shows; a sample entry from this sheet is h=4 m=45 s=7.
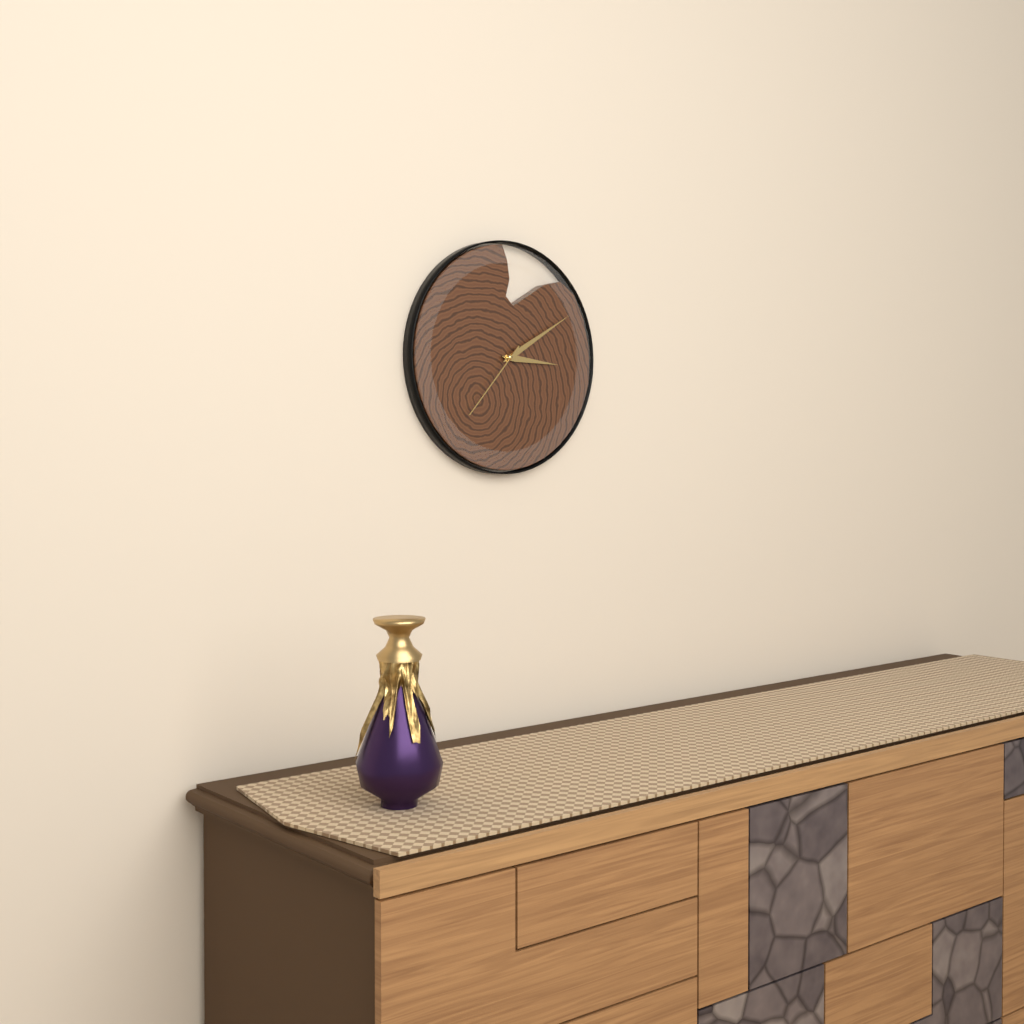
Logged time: h=3 m=10 s=37
